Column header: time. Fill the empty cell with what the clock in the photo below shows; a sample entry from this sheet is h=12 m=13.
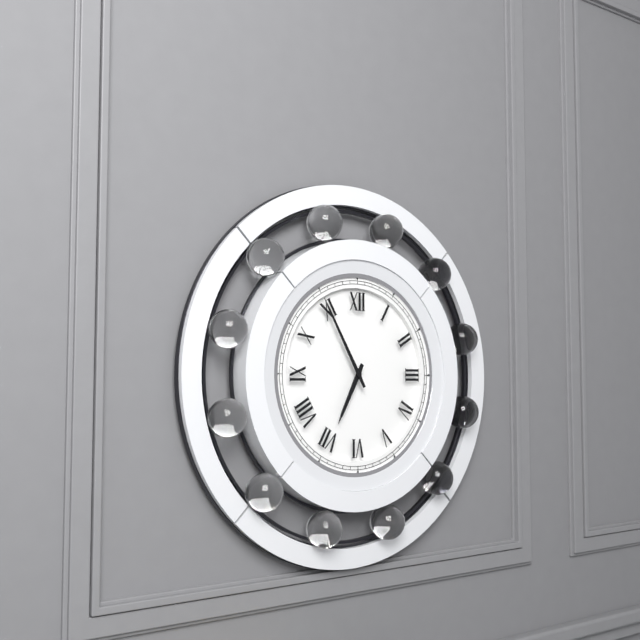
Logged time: h=6 m=55
